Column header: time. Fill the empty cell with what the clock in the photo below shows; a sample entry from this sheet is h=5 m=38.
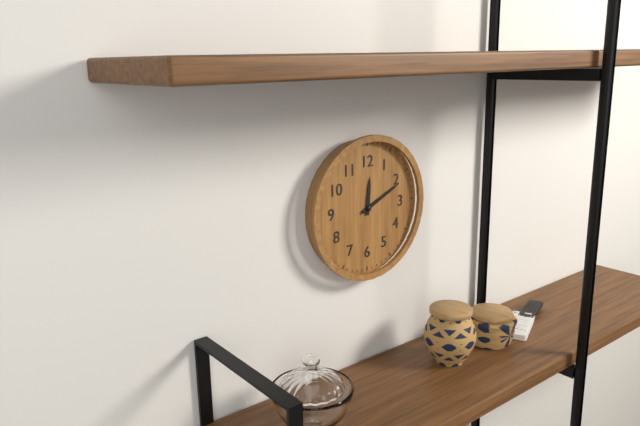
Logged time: h=12 m=11
